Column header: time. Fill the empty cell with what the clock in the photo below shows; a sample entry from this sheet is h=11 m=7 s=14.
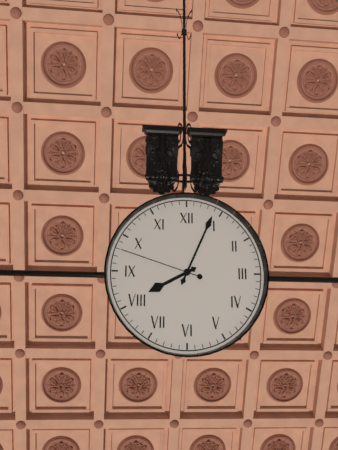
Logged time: h=8 m=4 s=48
